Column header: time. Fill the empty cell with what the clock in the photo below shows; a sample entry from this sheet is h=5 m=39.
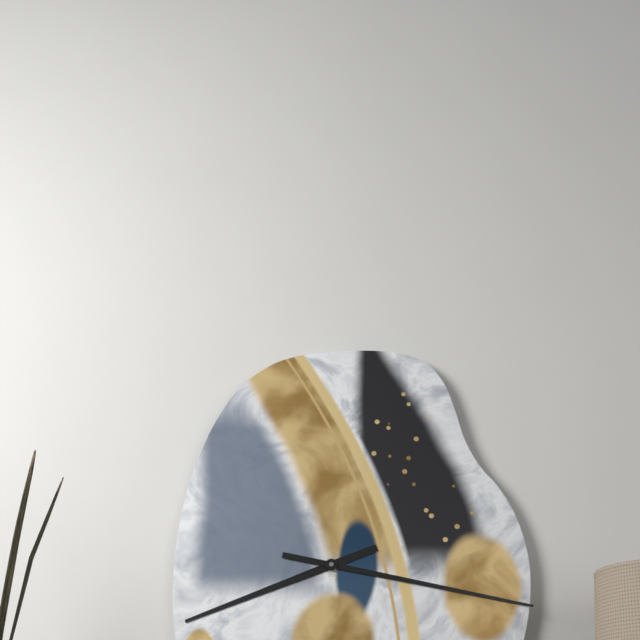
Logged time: h=8 m=17
